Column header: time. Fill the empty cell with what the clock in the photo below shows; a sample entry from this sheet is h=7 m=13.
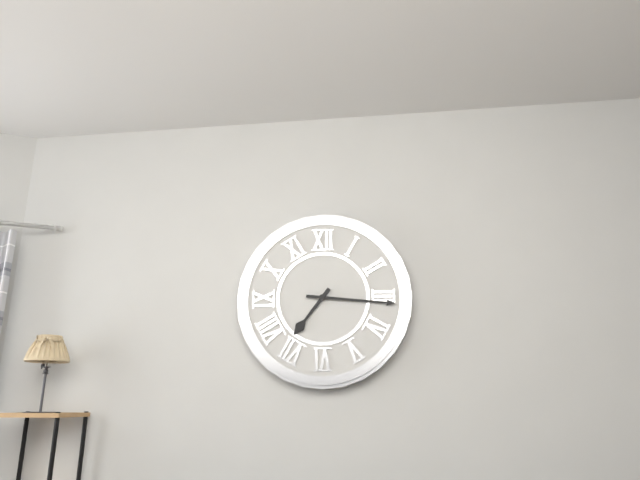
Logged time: h=7 m=16
